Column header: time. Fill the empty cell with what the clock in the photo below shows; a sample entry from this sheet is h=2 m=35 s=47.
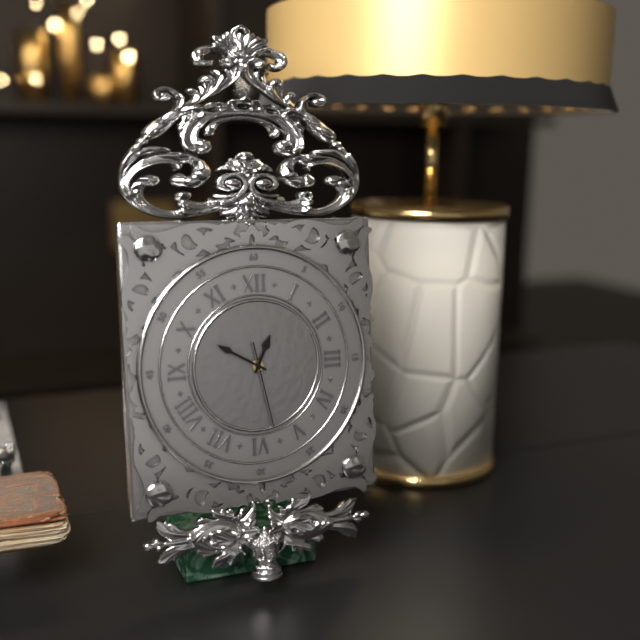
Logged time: h=12 m=50 s=28
